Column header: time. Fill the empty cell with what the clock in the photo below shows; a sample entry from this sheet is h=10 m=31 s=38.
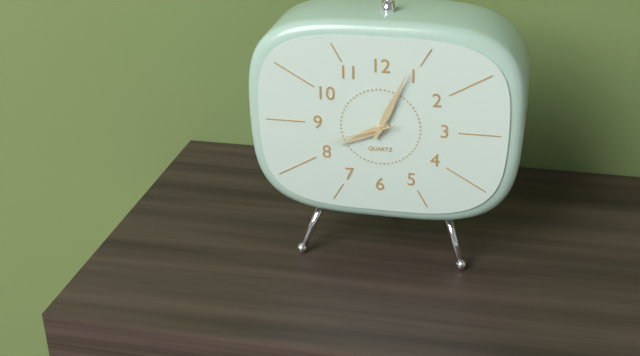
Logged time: h=8 m=4 s=42
